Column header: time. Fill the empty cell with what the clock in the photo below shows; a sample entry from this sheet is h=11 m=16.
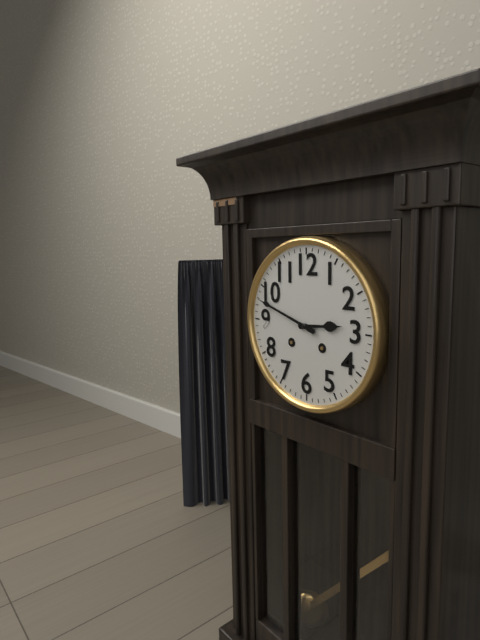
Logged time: h=2 m=48
